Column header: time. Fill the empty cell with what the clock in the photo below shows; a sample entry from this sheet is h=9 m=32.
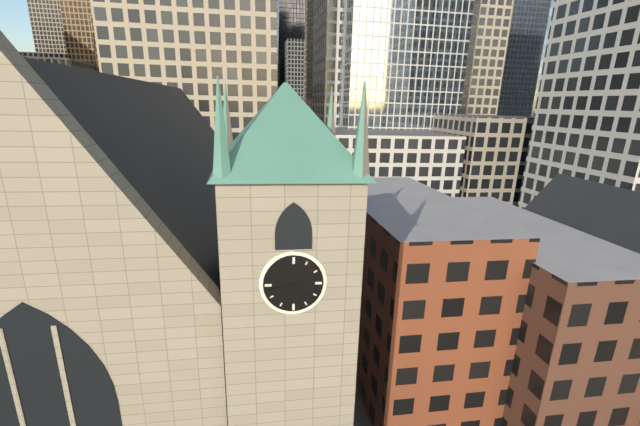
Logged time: h=4 m=43
